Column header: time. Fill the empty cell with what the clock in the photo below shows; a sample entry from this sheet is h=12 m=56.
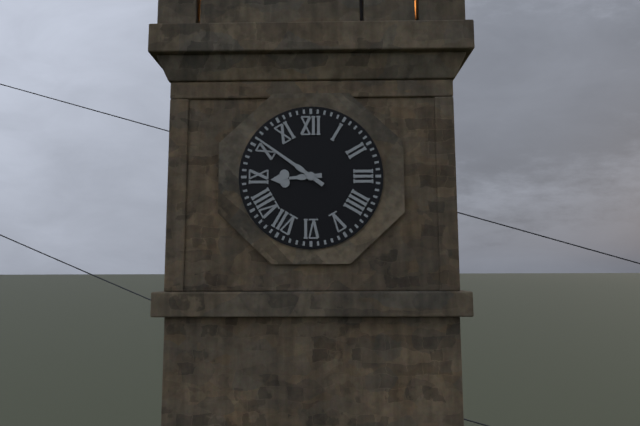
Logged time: h=8 m=51
